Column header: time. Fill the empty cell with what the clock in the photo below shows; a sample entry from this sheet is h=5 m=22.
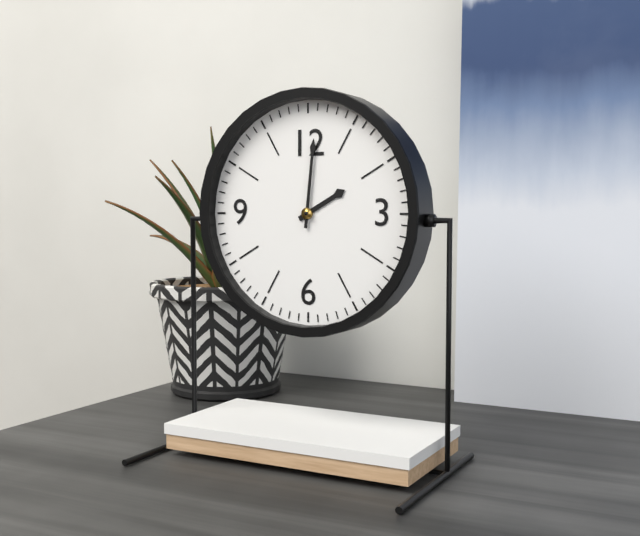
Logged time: h=2 m=1
